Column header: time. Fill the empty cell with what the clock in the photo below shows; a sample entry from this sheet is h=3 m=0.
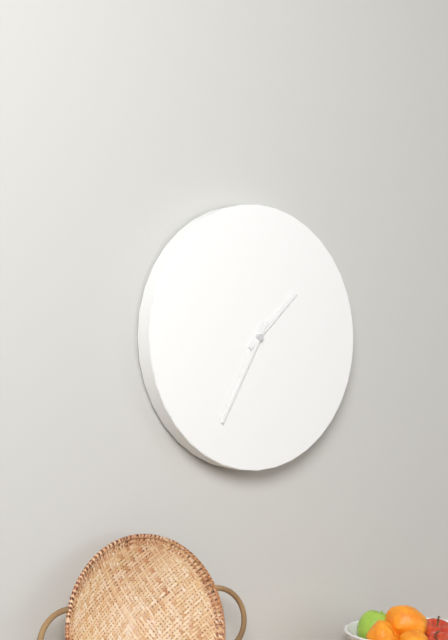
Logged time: h=1 m=35
